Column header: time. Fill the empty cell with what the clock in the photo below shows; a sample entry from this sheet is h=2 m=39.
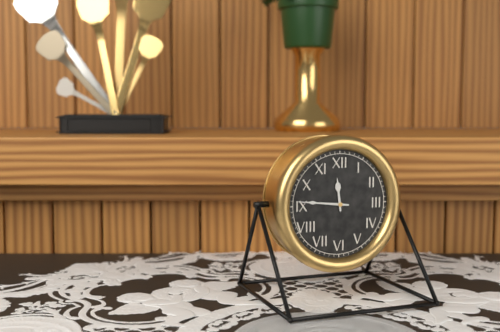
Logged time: h=11 m=46
